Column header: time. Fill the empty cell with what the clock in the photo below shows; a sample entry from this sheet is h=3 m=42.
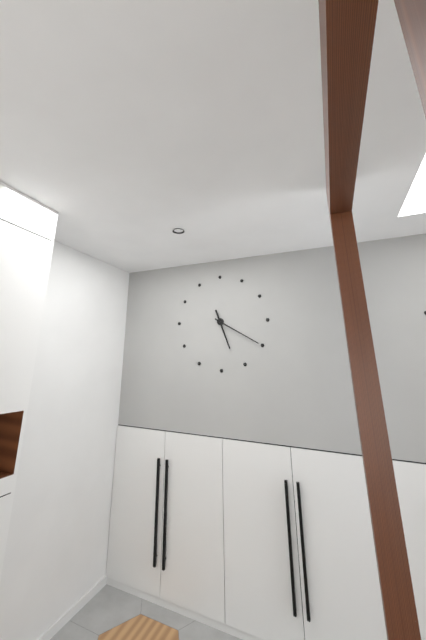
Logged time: h=5 m=20
